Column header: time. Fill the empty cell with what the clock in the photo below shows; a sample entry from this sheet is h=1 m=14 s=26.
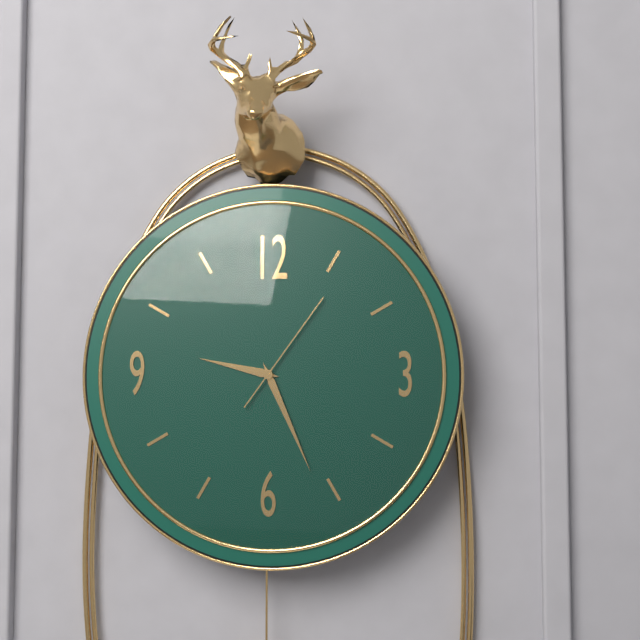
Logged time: h=9 m=26 s=6
